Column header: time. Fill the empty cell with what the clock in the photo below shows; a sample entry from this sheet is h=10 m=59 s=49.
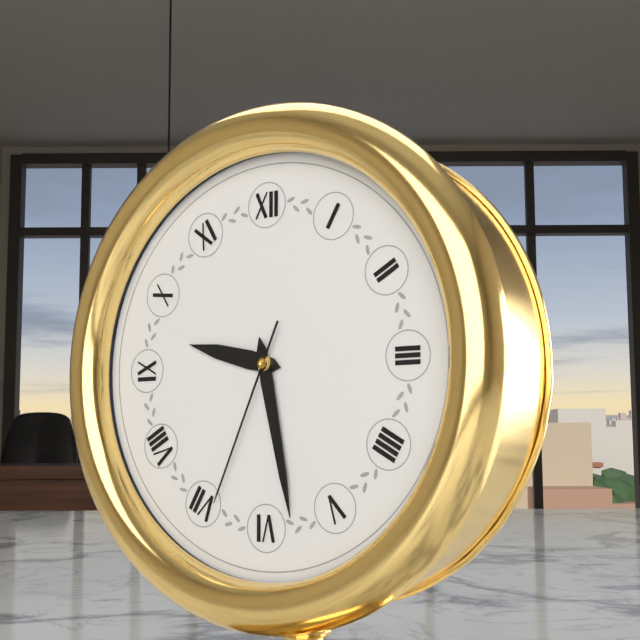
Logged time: h=9 m=28 s=34
